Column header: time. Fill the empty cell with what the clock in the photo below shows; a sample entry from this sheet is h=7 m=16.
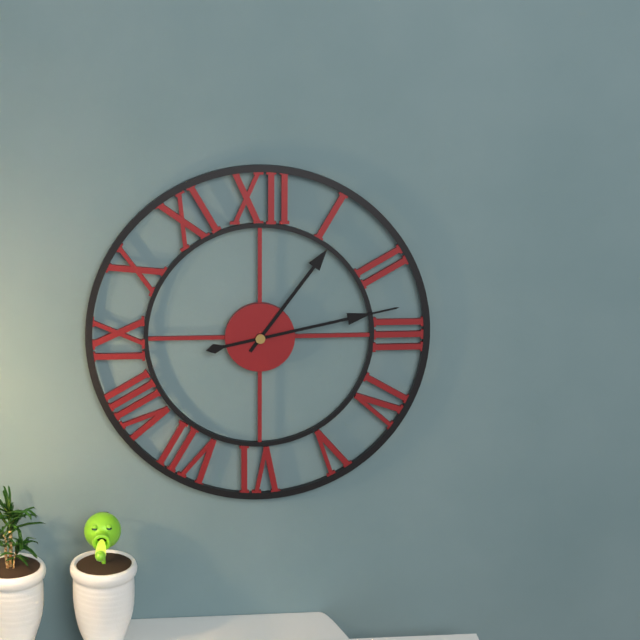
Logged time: h=1 m=13
